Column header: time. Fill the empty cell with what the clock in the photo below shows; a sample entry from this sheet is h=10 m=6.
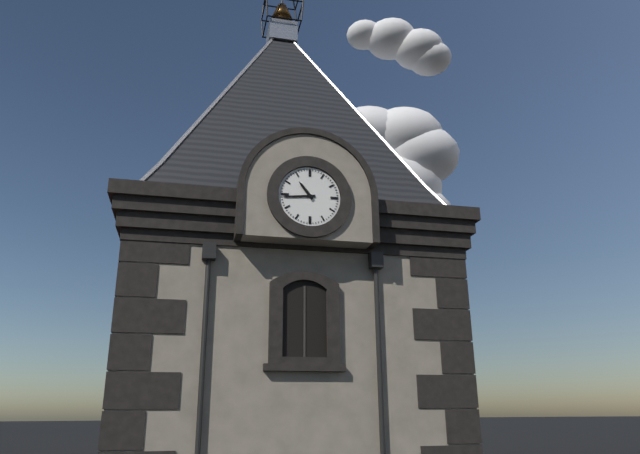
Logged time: h=10 m=44
